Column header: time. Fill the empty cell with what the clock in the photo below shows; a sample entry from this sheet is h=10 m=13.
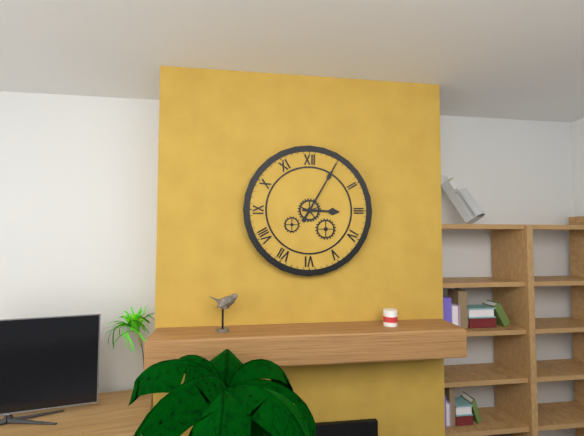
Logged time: h=3 m=5
